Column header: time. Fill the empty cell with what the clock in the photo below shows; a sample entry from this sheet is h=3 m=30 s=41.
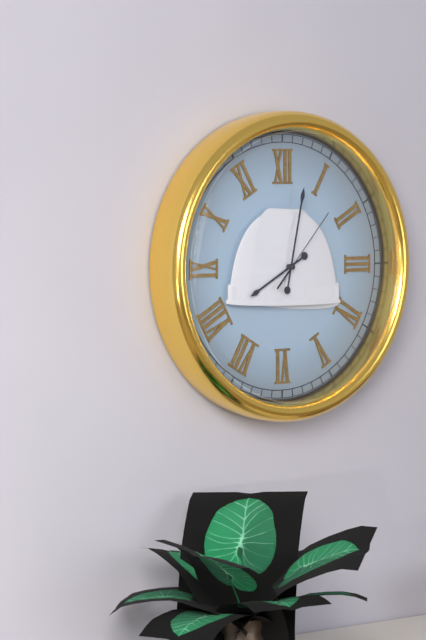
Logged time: h=8 m=2 s=7
